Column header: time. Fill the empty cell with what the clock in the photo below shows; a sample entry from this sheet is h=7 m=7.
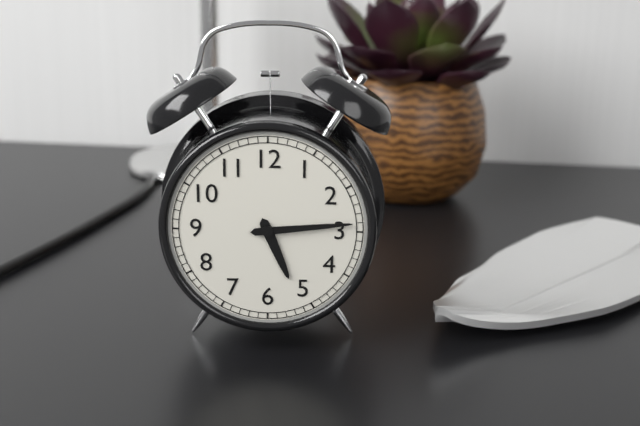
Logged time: h=5 m=14
